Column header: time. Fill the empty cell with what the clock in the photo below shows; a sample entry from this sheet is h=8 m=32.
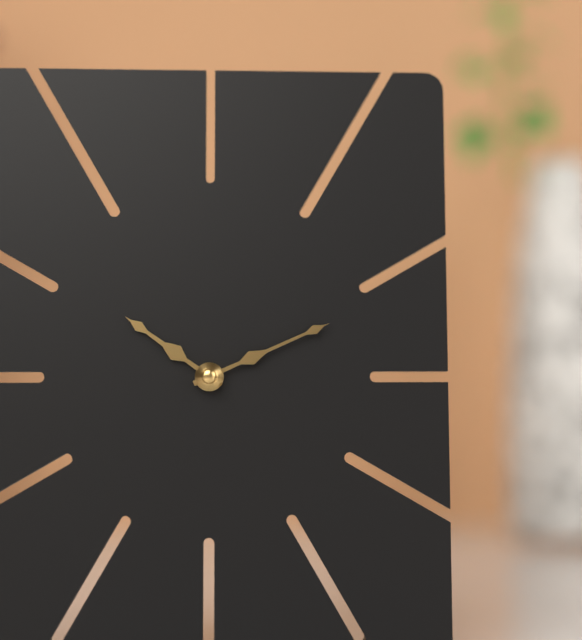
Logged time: h=10 m=11
